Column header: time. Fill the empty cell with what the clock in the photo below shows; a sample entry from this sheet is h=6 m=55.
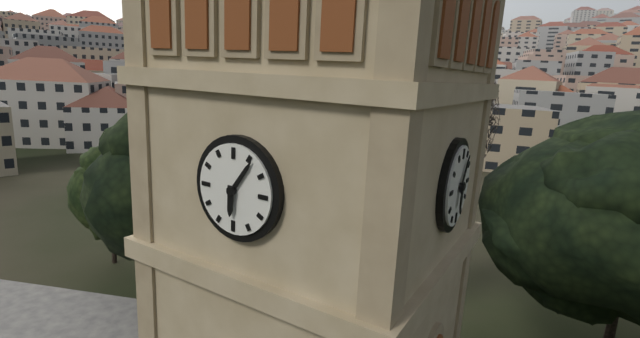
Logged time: h=6 m=6
